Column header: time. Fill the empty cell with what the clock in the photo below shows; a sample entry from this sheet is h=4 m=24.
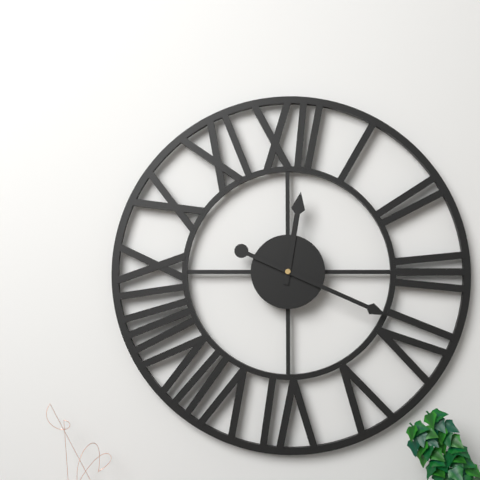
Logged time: h=12 m=19
